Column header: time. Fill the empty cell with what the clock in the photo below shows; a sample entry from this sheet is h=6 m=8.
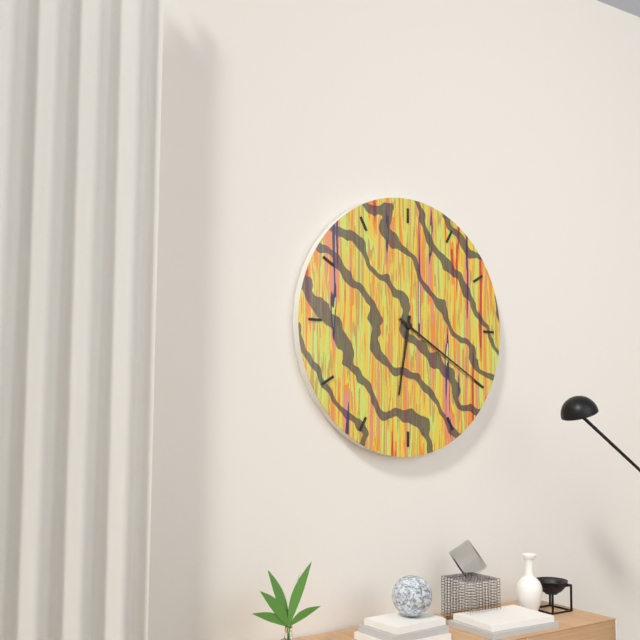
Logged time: h=6 m=20
